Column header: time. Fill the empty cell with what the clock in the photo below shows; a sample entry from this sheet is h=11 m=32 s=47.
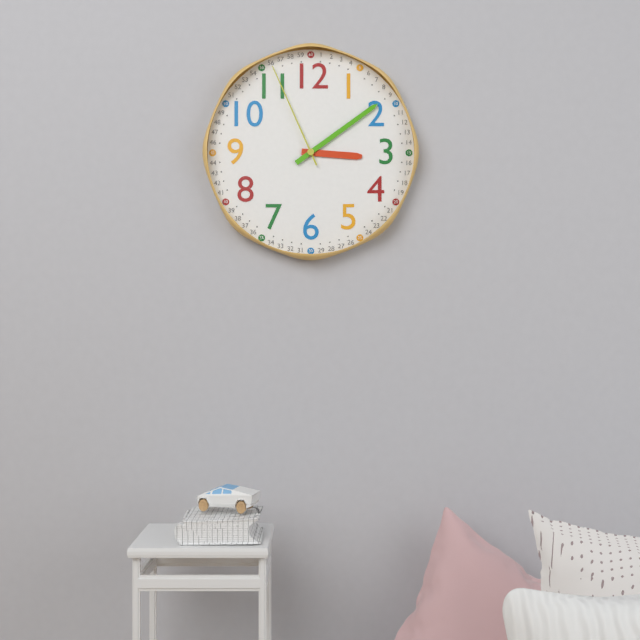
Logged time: h=3 m=9 s=56
